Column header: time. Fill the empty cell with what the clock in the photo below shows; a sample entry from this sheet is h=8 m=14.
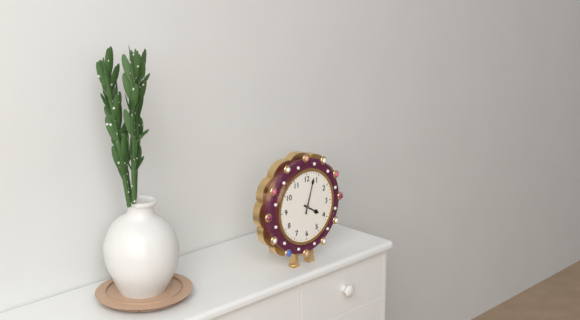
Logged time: h=4 m=3
